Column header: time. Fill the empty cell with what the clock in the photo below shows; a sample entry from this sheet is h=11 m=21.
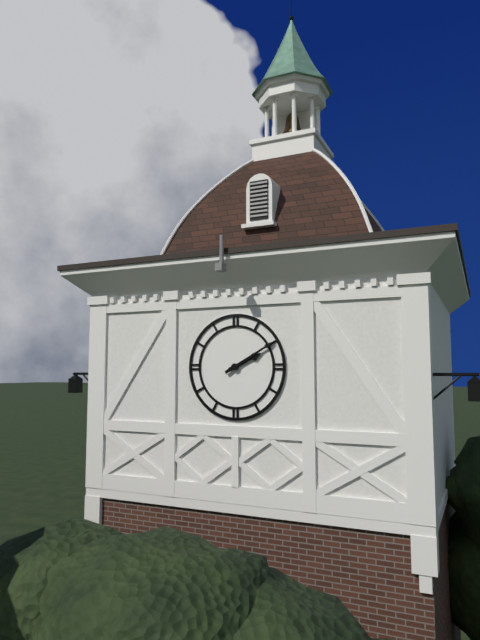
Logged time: h=2 m=10
